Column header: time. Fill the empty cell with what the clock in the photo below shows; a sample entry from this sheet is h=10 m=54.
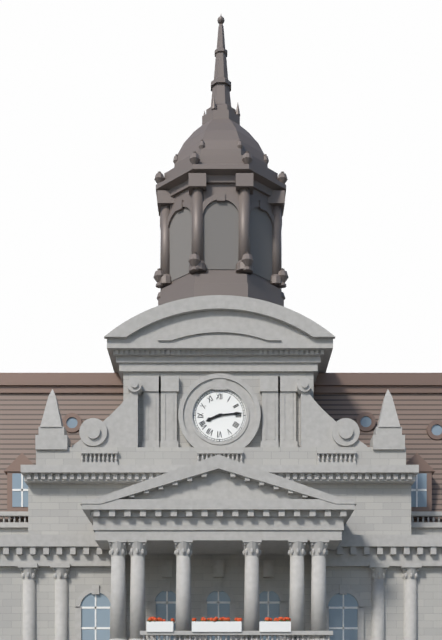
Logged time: h=8 m=14
